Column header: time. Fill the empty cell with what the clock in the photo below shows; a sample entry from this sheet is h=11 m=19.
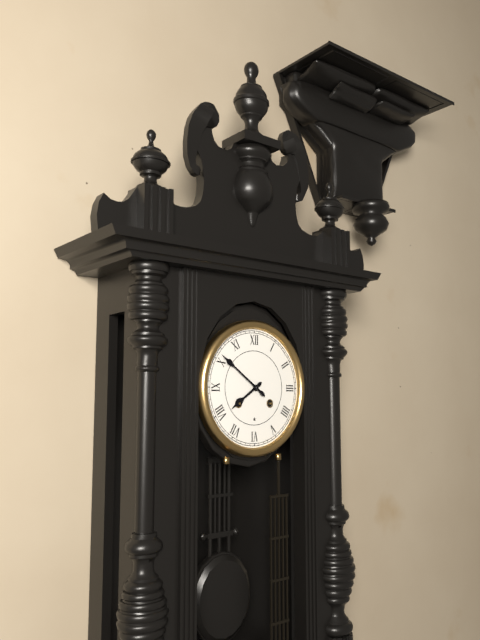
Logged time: h=7 m=51
